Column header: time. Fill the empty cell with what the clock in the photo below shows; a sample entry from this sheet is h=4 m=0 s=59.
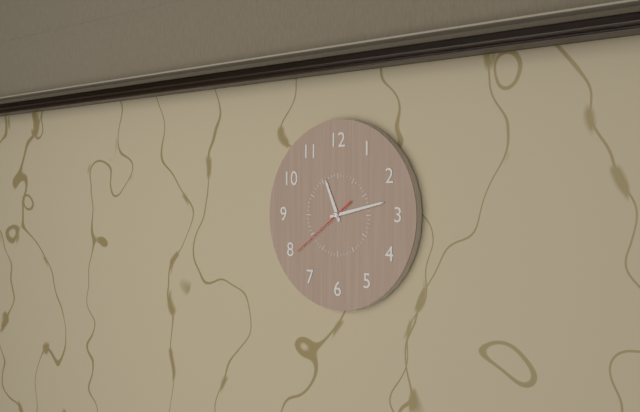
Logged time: h=11 m=13 s=39
